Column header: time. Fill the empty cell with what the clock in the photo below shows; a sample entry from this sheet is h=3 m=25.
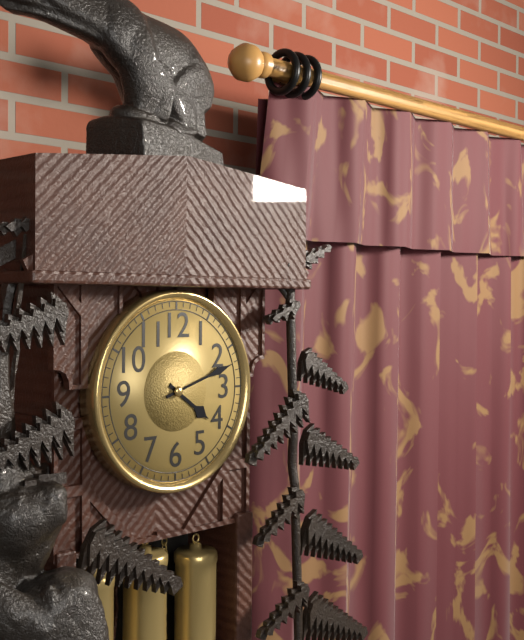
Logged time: h=4 m=12
